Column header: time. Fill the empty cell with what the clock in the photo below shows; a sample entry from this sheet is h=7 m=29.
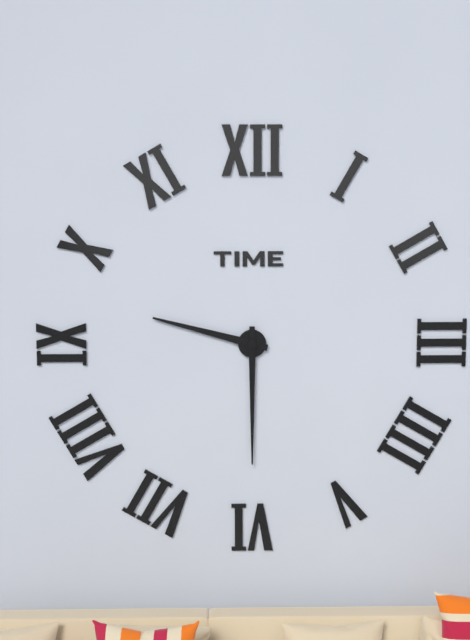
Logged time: h=9 m=30
